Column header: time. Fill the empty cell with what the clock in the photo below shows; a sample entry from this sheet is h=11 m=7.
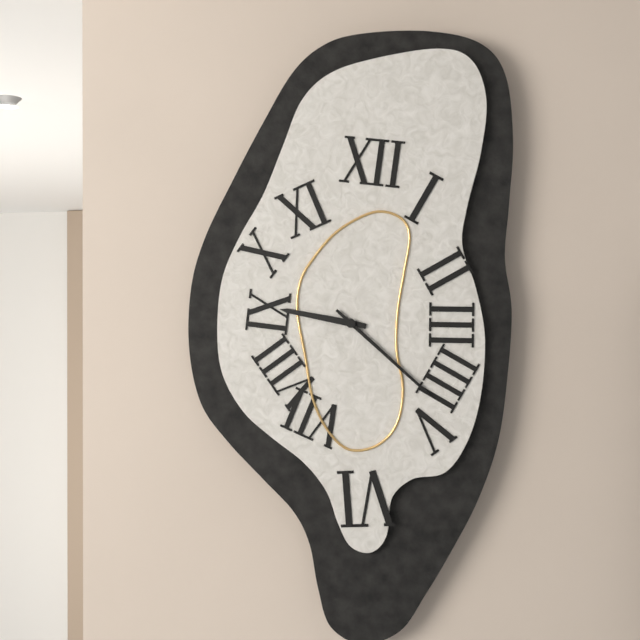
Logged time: h=9 m=22
